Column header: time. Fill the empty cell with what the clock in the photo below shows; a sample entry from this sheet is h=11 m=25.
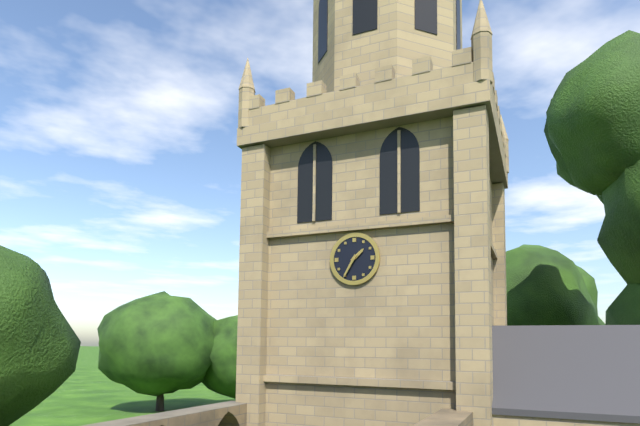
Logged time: h=1 m=35
